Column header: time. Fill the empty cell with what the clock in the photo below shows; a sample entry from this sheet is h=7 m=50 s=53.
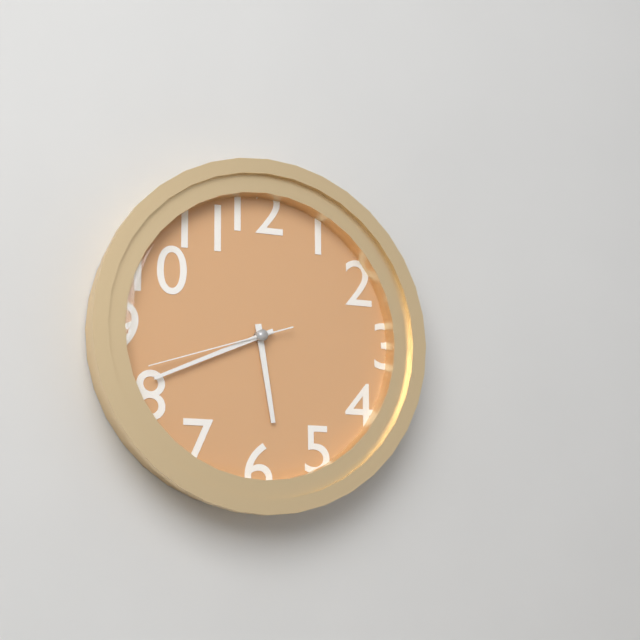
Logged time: h=5 m=41 s=42
